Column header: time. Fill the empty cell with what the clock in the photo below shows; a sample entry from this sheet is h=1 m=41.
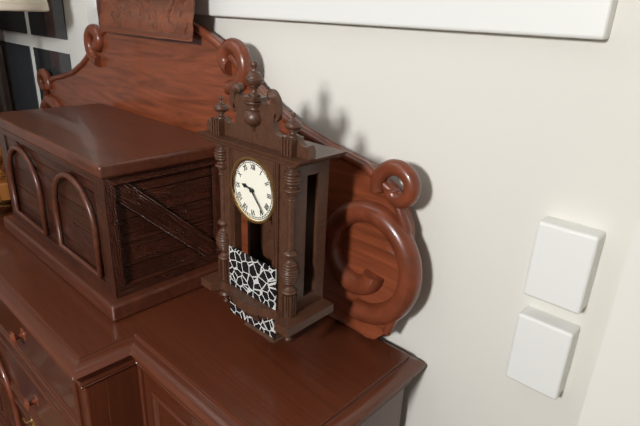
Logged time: h=9 m=23
